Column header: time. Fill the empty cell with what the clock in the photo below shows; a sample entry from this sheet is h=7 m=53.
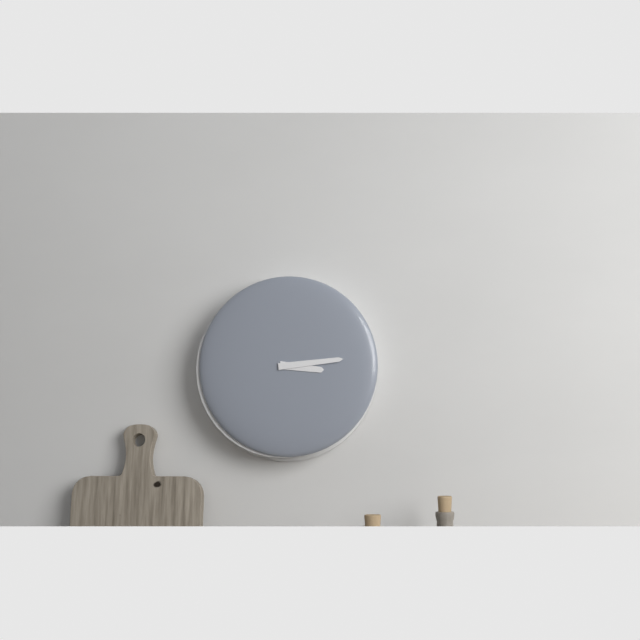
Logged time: h=3 m=14
